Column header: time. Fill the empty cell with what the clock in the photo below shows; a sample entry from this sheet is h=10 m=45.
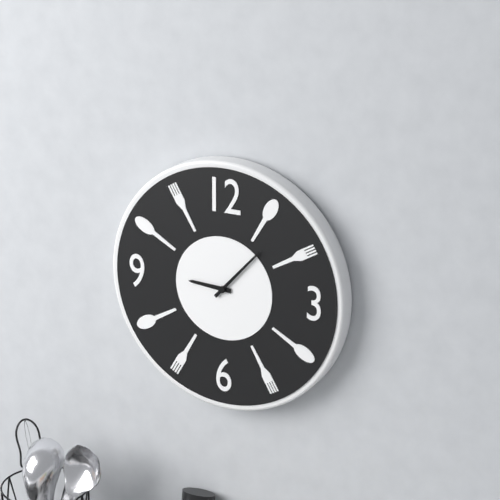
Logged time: h=9 m=7
